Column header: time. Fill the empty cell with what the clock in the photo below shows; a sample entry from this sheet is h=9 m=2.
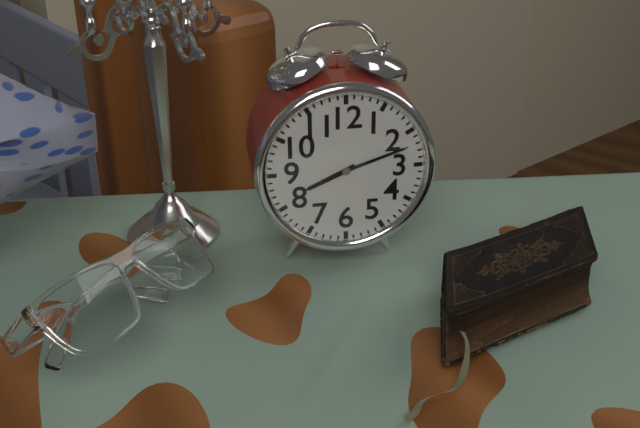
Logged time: h=8 m=12
